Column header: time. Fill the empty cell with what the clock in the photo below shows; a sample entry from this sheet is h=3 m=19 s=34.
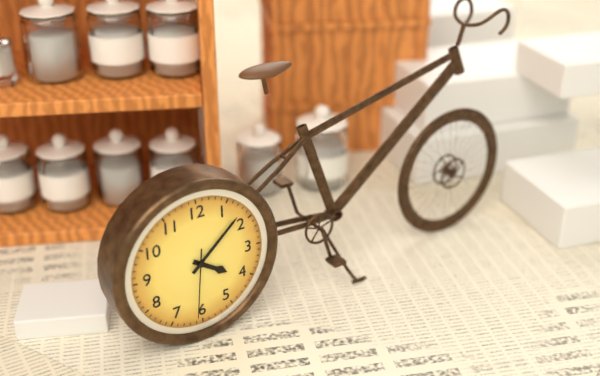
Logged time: h=4 m=8 s=31
